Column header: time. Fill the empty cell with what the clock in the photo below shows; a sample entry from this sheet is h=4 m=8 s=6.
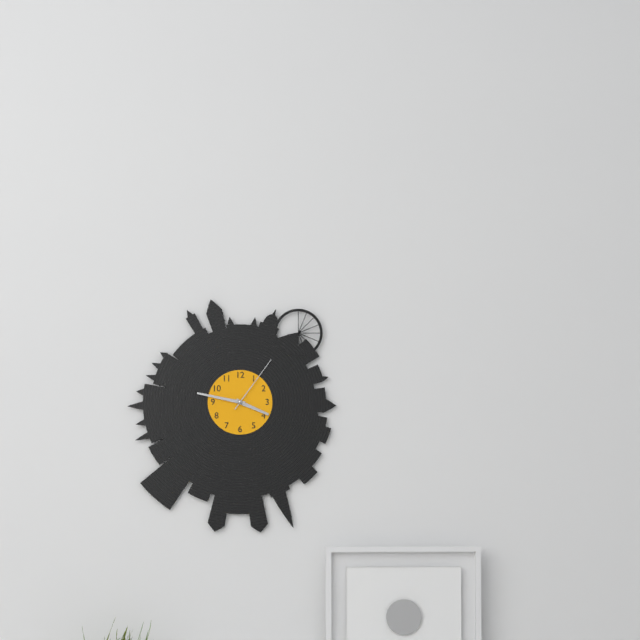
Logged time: h=3 m=47 s=6
